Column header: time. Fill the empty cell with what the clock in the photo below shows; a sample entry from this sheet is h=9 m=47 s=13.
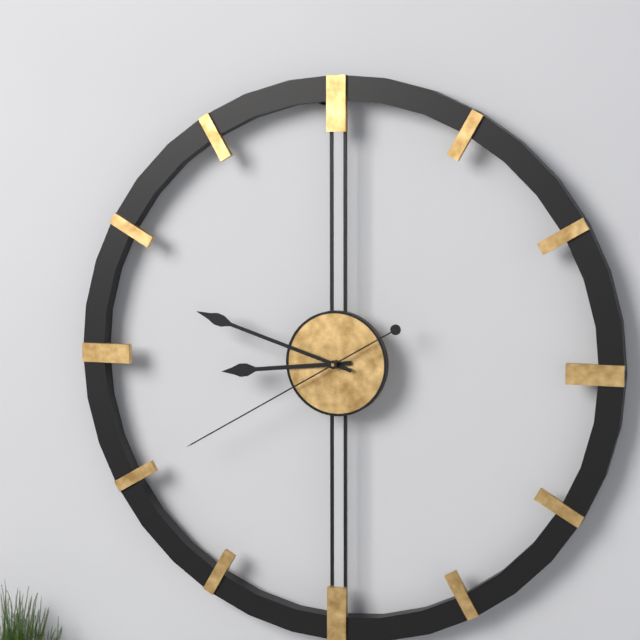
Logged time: h=8 m=48 s=40
